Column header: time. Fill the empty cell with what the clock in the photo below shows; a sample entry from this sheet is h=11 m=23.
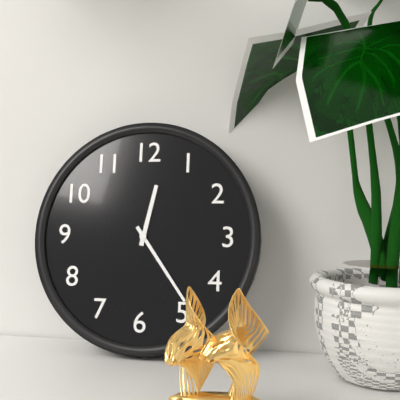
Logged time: h=12 m=24
